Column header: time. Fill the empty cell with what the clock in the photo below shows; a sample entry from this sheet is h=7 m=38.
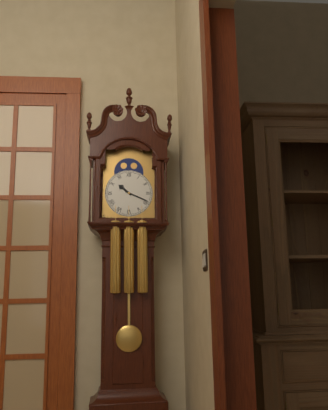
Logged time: h=10 m=19
